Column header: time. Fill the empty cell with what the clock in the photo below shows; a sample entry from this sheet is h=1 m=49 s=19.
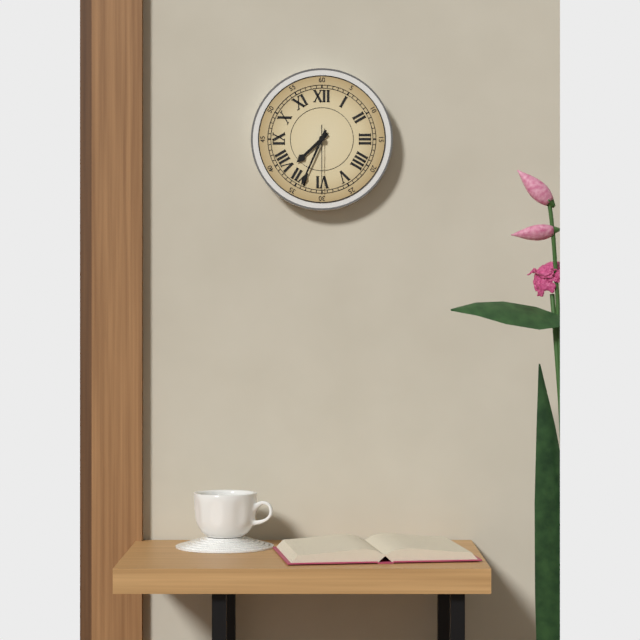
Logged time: h=7 m=34 s=30
